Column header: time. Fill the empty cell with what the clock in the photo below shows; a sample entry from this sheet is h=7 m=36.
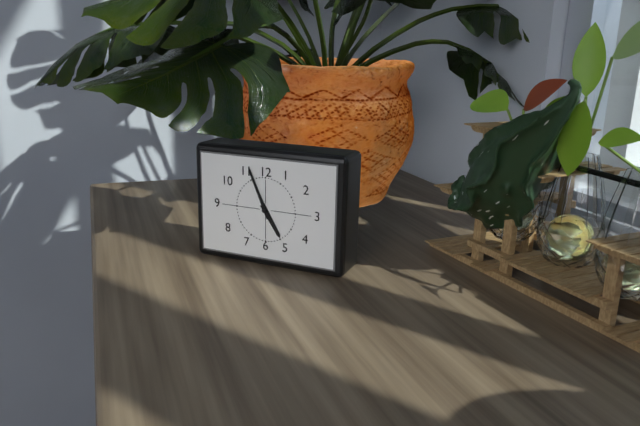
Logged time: h=4 m=56
